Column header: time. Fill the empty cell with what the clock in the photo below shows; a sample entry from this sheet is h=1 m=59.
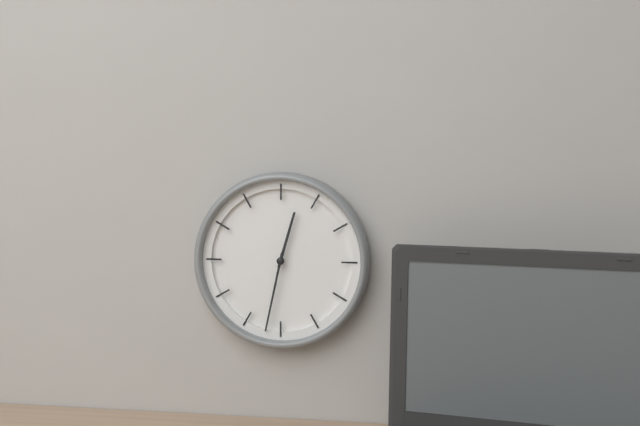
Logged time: h=12 m=32
